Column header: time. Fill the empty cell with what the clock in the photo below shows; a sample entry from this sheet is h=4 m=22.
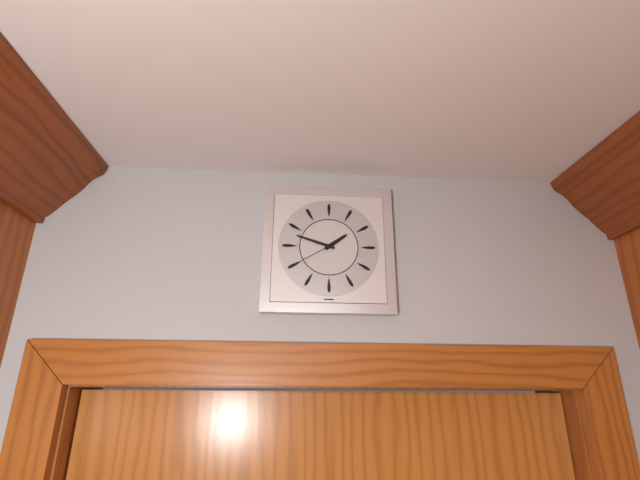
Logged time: h=1 m=48
